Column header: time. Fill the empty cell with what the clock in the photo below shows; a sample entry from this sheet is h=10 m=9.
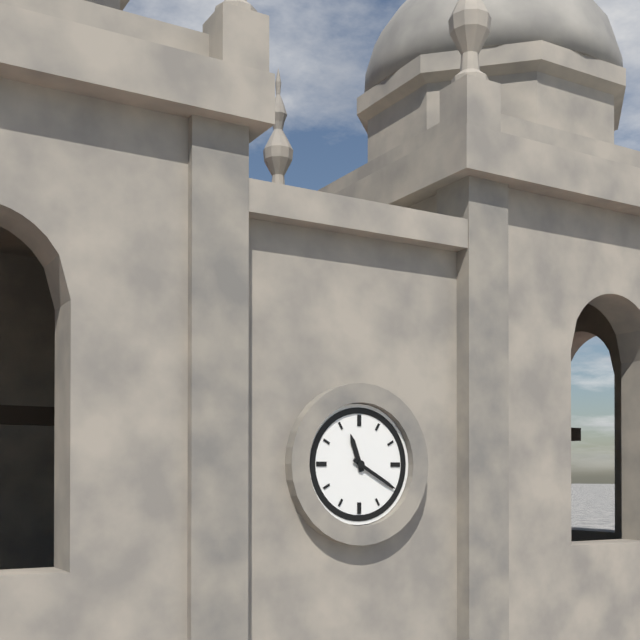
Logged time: h=11 m=20
